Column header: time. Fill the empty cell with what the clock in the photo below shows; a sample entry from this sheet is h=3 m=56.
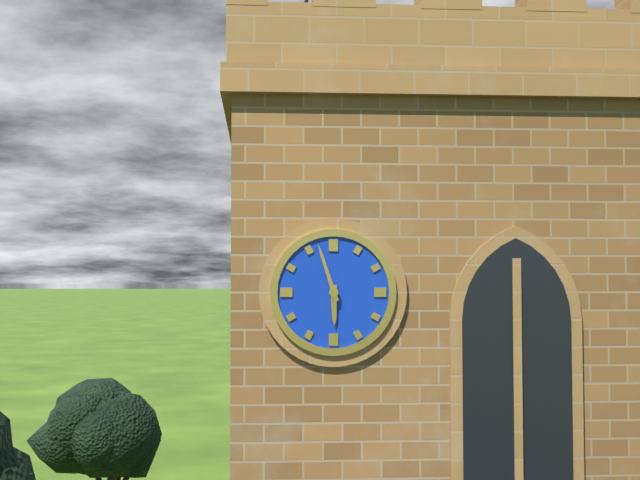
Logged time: h=5 m=57
